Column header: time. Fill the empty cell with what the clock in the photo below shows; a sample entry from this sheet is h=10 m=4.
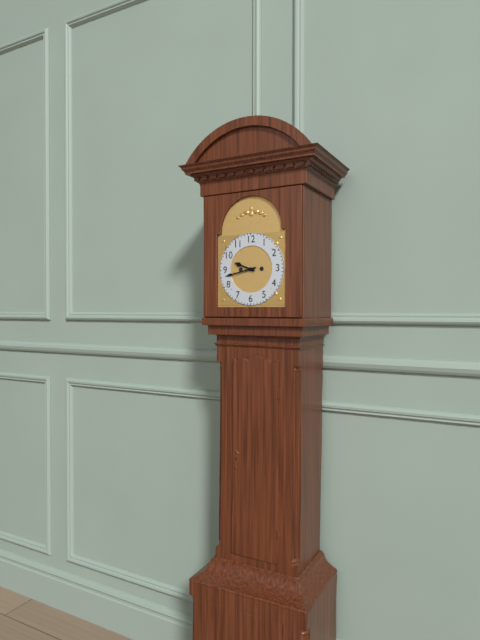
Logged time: h=9 m=43
